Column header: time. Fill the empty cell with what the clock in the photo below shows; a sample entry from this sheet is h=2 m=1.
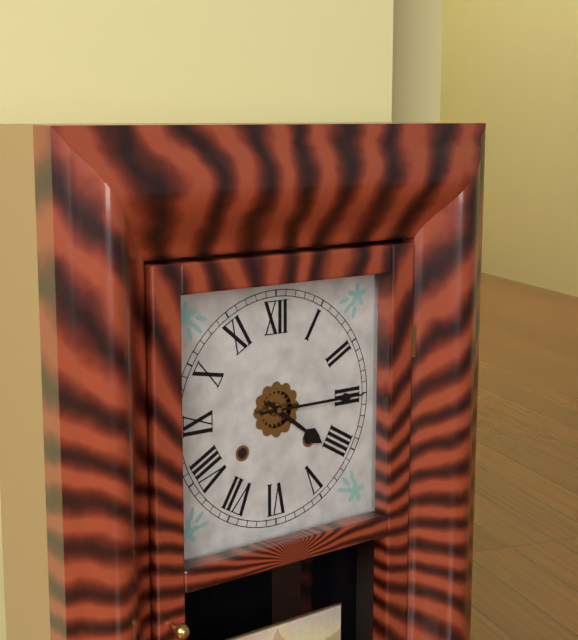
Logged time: h=4 m=15
